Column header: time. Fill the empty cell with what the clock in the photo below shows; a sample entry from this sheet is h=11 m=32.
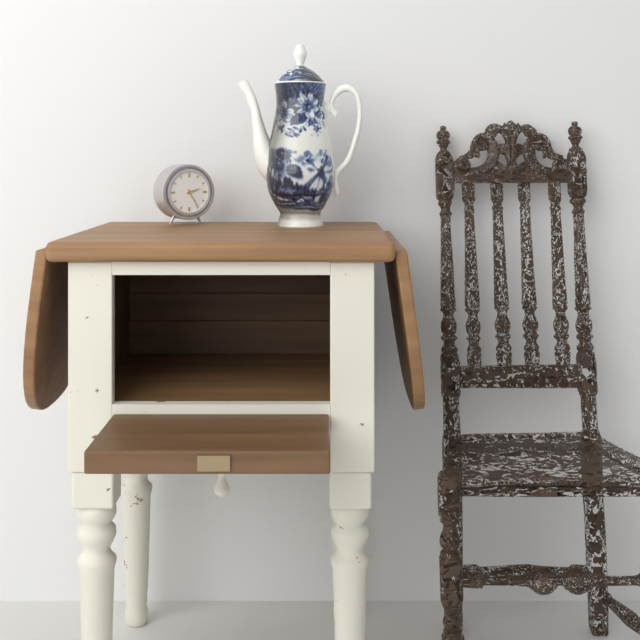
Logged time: h=2 m=25
